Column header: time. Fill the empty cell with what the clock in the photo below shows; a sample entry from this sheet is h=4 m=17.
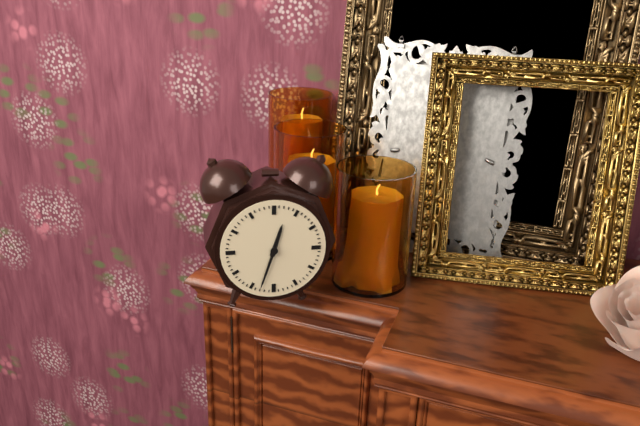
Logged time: h=12 m=33
